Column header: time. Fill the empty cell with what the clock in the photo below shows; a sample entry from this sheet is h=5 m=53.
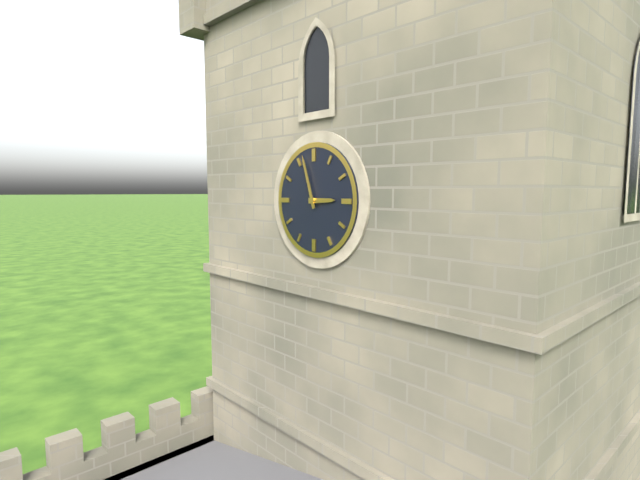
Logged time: h=2 m=57
